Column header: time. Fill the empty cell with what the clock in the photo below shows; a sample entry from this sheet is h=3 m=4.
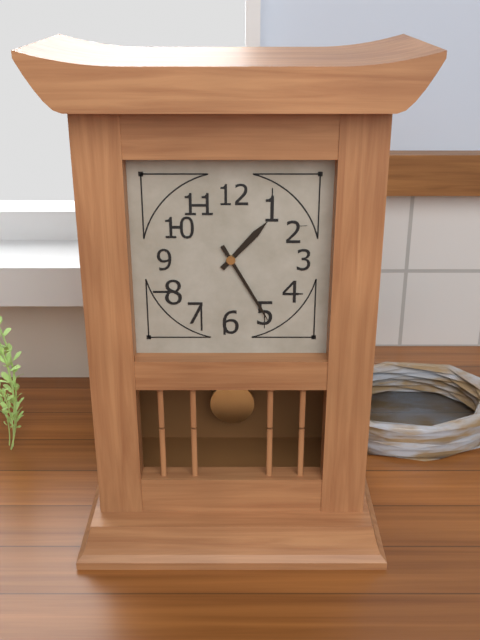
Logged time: h=1 m=25
